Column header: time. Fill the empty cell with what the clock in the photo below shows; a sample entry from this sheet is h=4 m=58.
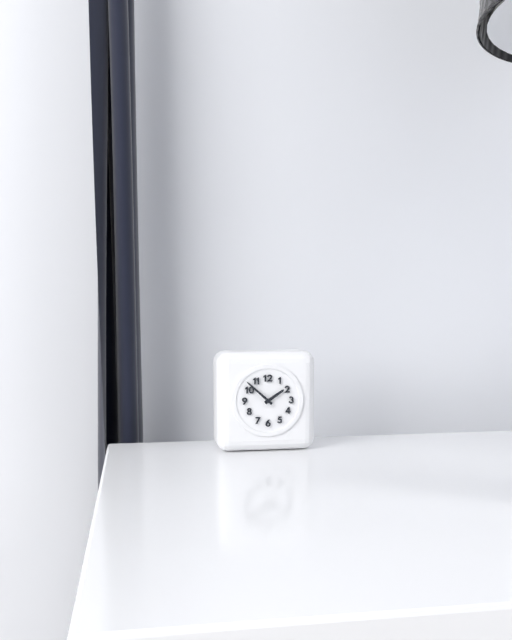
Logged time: h=1 m=52
